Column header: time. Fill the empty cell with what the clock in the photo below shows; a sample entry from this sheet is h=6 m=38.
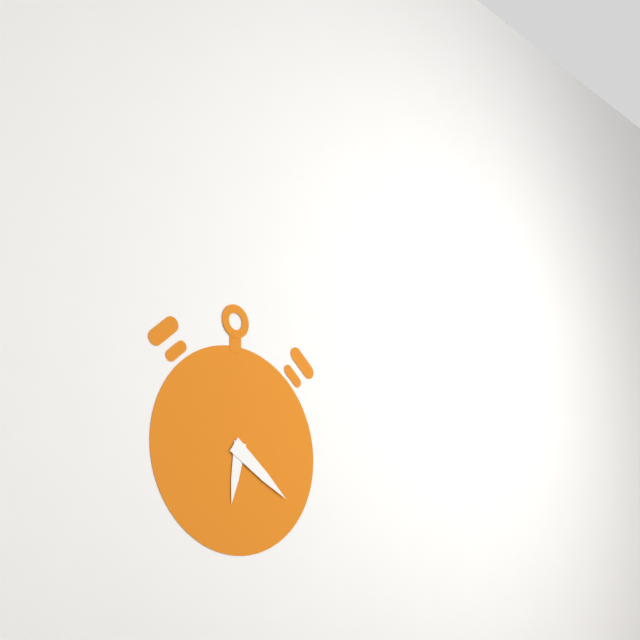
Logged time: h=6 m=21
